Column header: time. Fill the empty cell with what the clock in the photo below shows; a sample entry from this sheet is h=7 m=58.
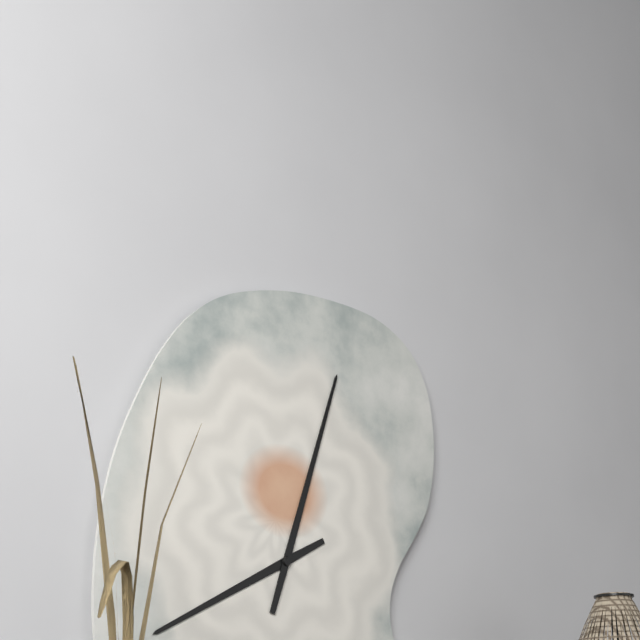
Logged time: h=8 m=3
